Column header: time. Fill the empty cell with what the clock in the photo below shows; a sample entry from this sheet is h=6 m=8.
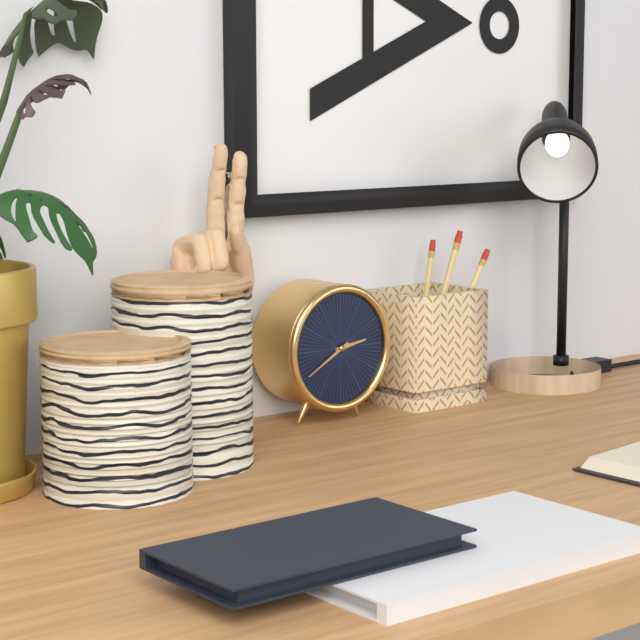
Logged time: h=2 m=40
